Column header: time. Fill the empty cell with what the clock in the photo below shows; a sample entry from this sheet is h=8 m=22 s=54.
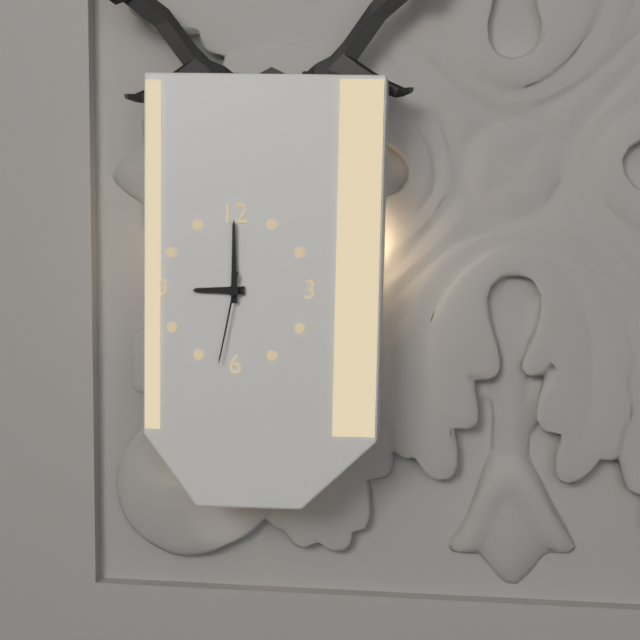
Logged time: h=9 m=0 s=32
